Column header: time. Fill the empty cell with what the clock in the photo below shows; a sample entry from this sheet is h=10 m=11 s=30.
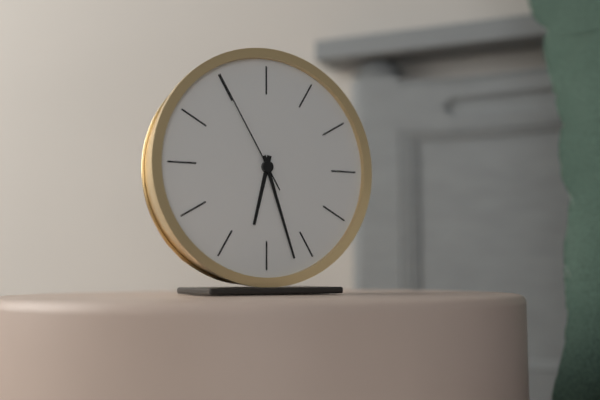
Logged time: h=6 m=27 s=55
